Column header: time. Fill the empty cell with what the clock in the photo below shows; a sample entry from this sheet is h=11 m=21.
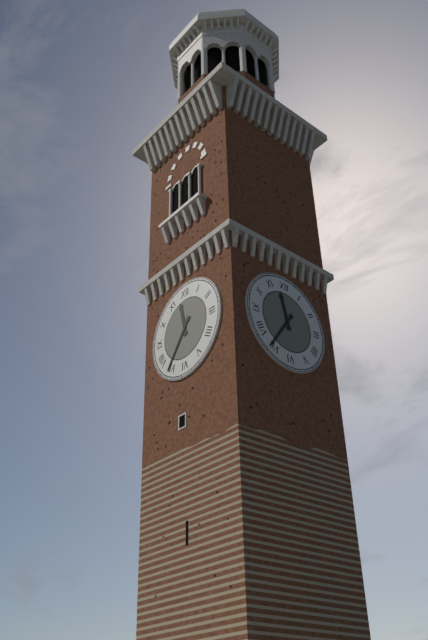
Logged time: h=11 m=36
